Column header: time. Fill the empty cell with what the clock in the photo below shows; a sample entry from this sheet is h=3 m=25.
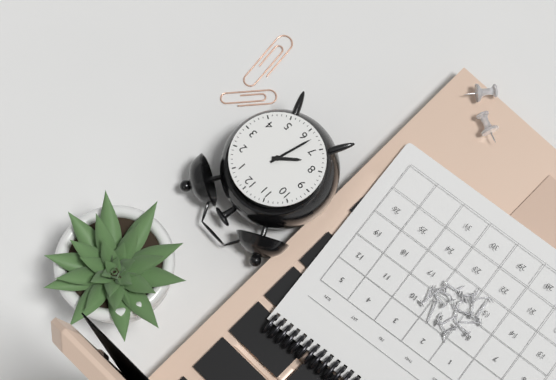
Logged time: h=7 m=32
